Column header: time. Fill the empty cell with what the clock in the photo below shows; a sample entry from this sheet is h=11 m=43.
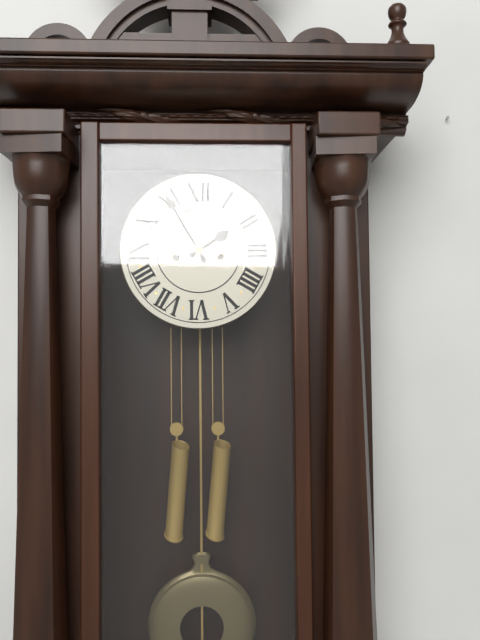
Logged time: h=1 m=55
